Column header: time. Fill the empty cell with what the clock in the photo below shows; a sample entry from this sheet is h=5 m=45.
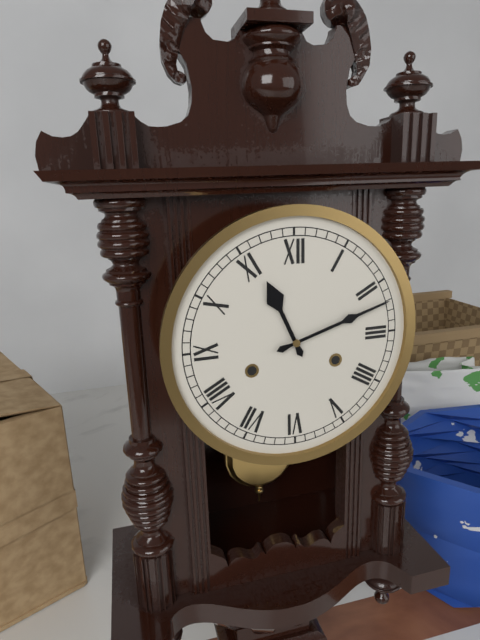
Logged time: h=11 m=12
